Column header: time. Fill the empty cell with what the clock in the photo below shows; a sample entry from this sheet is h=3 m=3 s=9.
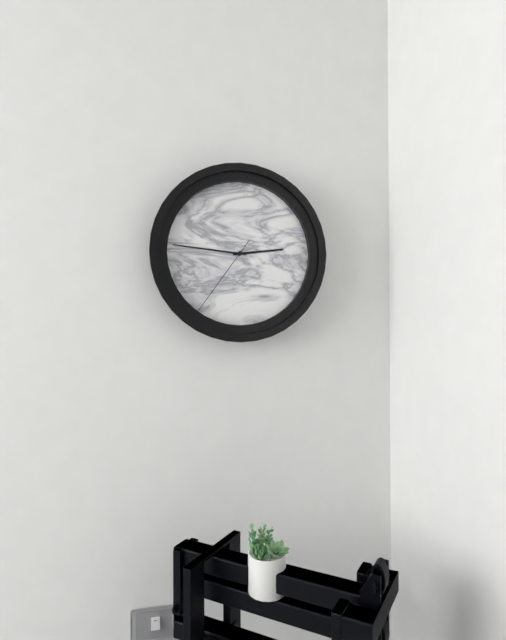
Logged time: h=2 m=46 s=36
